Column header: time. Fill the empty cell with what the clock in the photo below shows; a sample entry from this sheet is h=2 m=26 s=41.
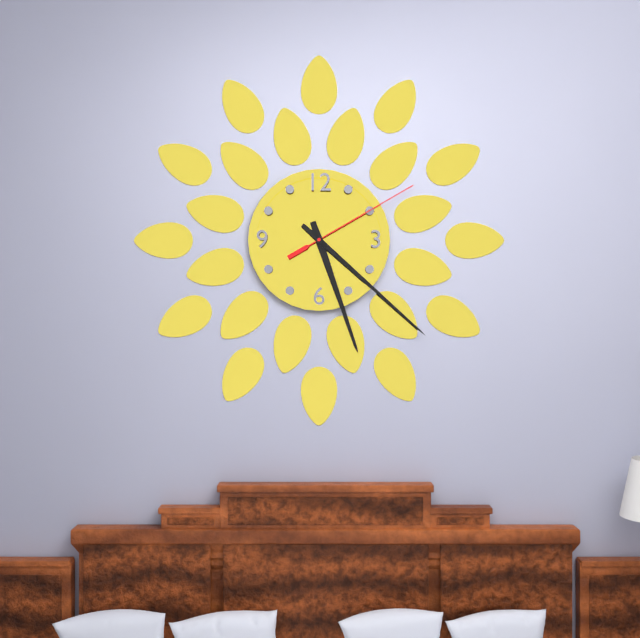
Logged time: h=5 m=22 s=10
